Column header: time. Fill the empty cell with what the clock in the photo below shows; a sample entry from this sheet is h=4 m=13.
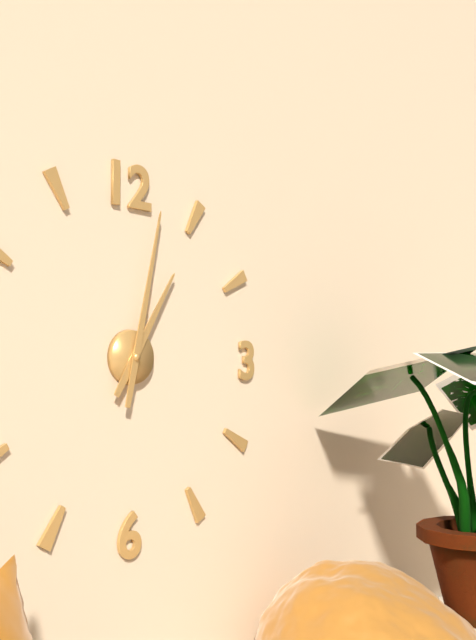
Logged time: h=1 m=2
